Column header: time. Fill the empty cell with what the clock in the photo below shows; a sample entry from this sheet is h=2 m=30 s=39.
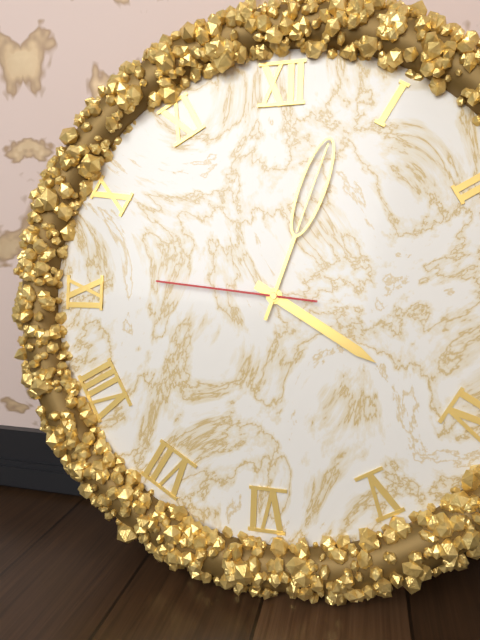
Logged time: h=4 m=3 s=46
